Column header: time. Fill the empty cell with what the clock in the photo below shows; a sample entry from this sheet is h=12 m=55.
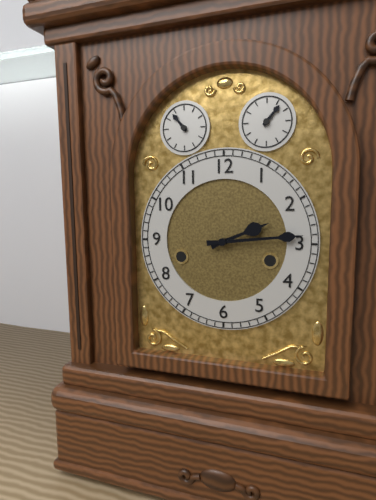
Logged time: h=2 m=14
